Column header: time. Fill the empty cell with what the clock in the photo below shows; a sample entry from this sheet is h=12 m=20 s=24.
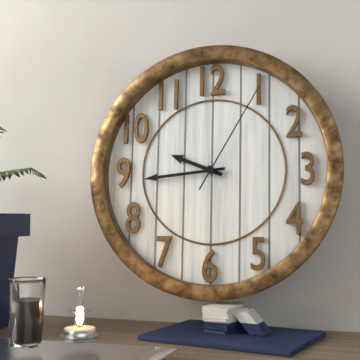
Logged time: h=9 m=44 s=5
